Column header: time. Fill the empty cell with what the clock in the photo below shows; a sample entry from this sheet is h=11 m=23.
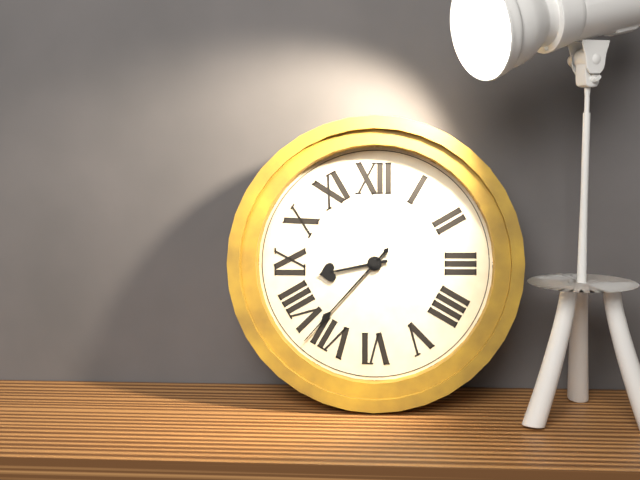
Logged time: h=8 m=37
